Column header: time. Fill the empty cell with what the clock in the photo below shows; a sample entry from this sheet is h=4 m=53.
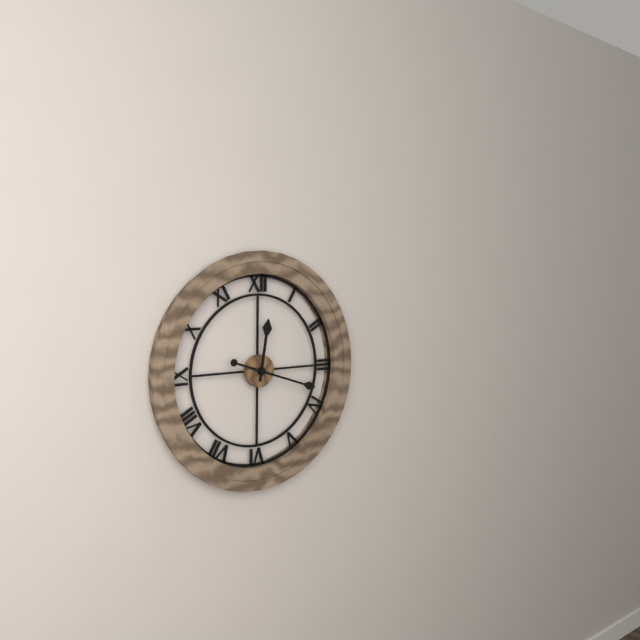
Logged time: h=12 m=18
